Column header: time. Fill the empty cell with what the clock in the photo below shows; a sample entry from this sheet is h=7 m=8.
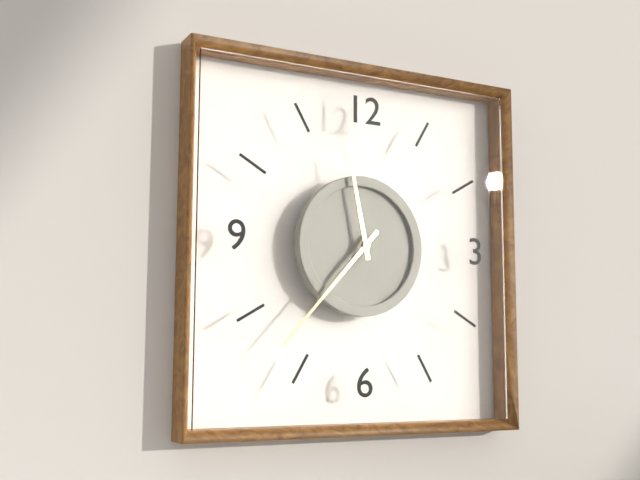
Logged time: h=11 m=37
